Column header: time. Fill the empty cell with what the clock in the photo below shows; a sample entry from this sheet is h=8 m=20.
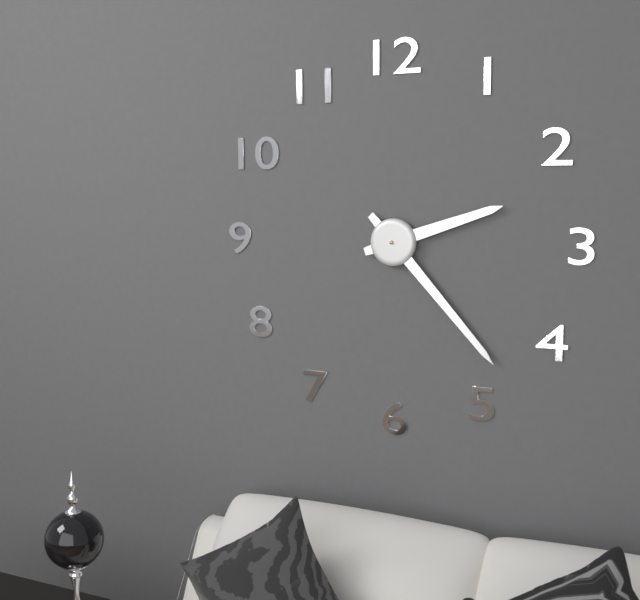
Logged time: h=2 m=23
